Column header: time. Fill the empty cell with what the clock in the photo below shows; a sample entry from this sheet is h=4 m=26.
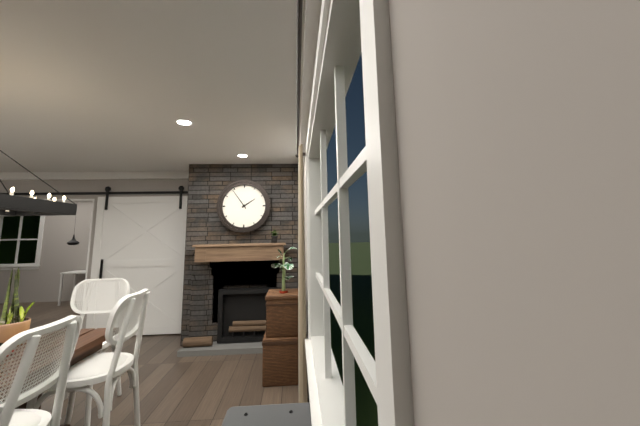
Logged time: h=1 m=54
